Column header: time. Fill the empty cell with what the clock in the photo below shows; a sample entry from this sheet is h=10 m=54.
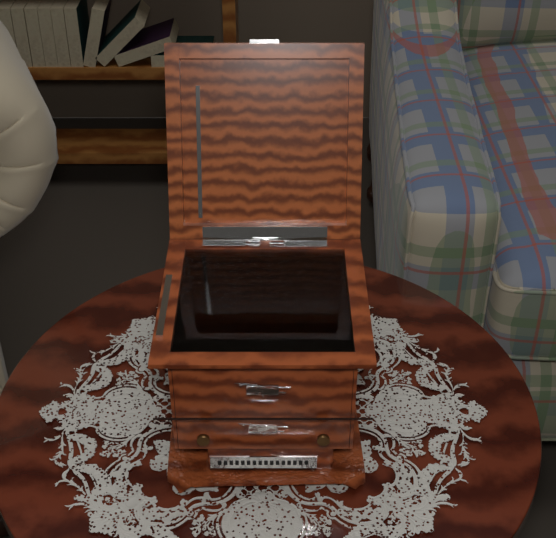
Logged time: h=12 m=37
